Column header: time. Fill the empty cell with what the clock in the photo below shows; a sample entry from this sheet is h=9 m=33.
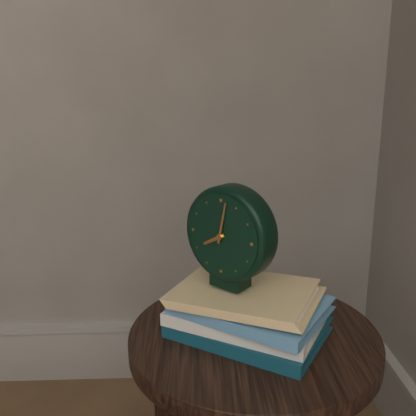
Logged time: h=8 m=2
